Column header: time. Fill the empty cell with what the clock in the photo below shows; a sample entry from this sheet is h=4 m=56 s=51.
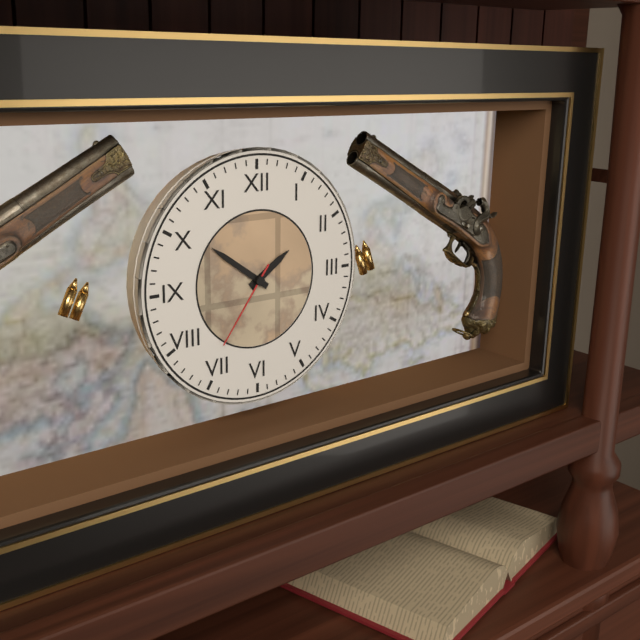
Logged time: h=1 m=51 s=36
